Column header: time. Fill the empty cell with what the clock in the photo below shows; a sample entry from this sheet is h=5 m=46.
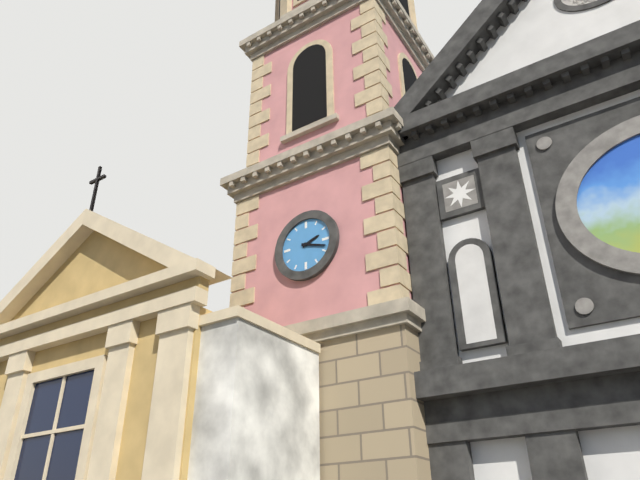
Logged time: h=2 m=18
